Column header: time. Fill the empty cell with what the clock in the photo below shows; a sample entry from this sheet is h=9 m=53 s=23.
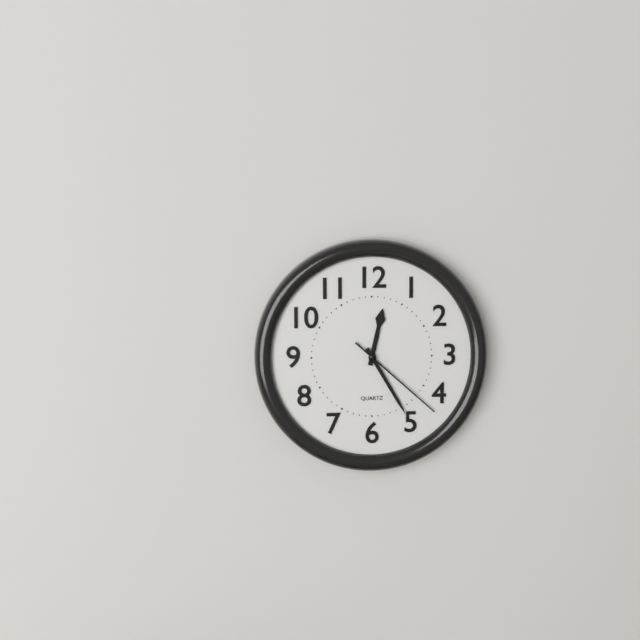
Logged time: h=12 m=25 s=22
